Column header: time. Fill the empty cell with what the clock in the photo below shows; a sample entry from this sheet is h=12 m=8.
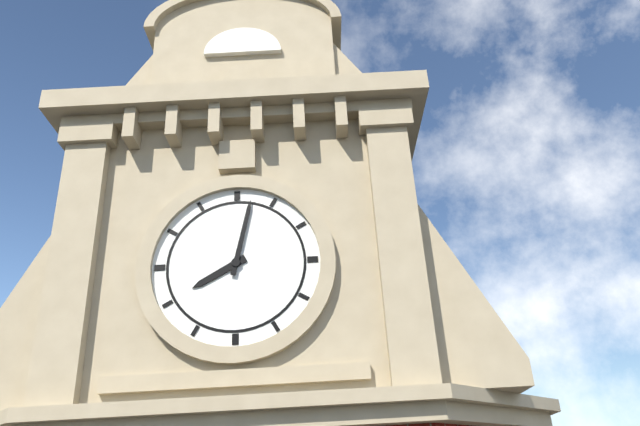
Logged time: h=8 m=2
